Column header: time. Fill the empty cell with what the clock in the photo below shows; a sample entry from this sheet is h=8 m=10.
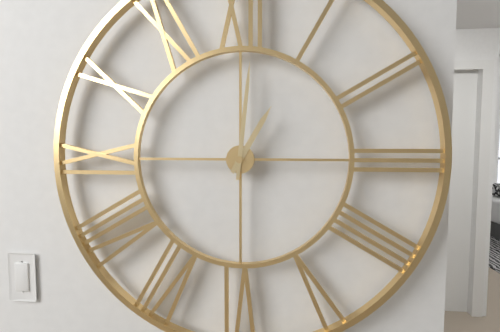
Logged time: h=1 m=1
